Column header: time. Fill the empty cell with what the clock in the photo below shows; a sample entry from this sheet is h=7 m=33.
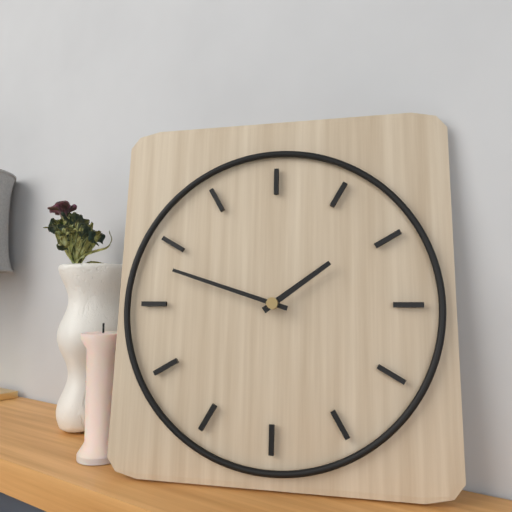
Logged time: h=1 m=48
